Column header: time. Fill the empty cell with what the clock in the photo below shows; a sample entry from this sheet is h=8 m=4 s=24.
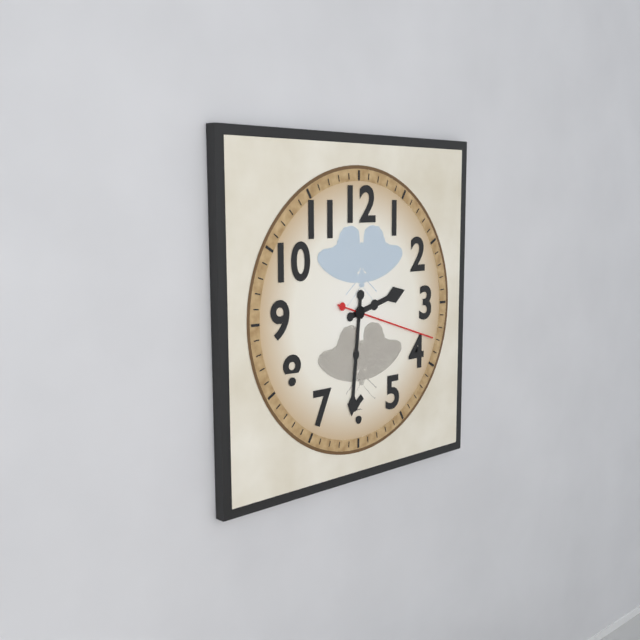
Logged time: h=2 m=31 s=18
